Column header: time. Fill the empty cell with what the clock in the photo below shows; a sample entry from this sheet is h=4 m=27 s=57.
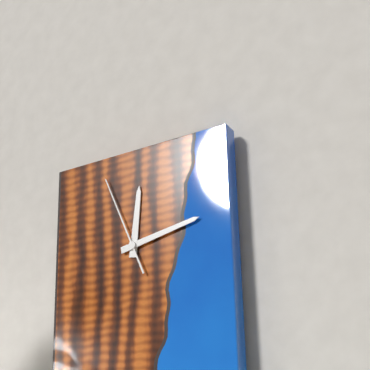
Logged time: h=12 m=13 s=56
